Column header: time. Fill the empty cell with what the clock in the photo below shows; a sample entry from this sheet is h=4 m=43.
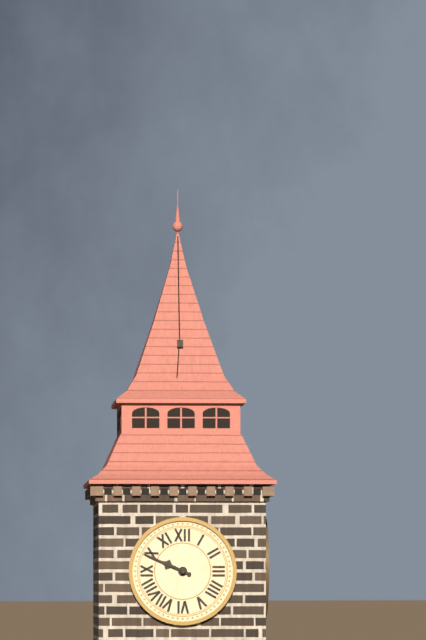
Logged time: h=9 m=49
